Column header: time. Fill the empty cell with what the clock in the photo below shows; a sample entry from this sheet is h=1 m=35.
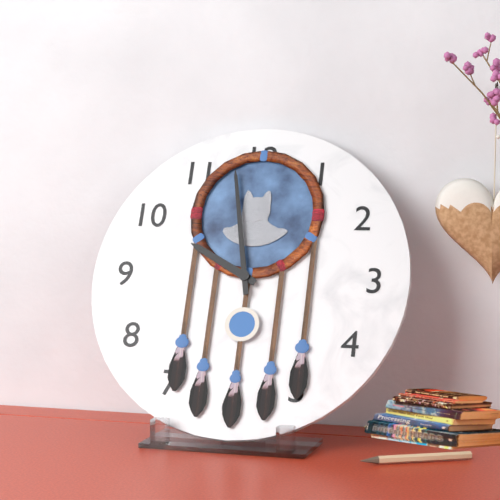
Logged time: h=9 m=58
